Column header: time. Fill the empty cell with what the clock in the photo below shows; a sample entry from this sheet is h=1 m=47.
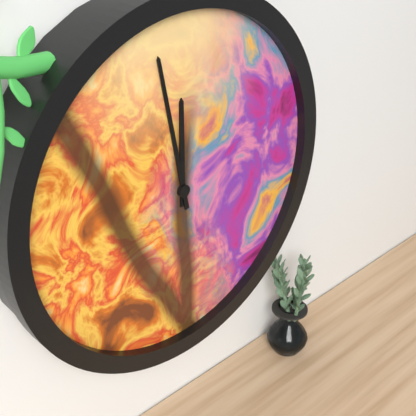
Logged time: h=11 m=58
